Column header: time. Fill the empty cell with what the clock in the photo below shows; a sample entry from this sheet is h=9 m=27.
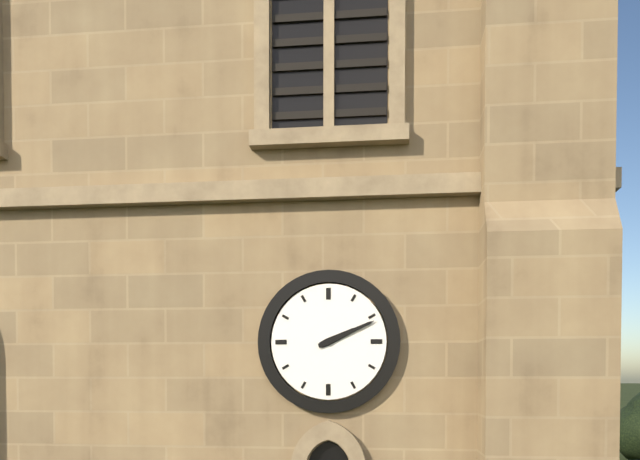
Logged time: h=2 m=11
